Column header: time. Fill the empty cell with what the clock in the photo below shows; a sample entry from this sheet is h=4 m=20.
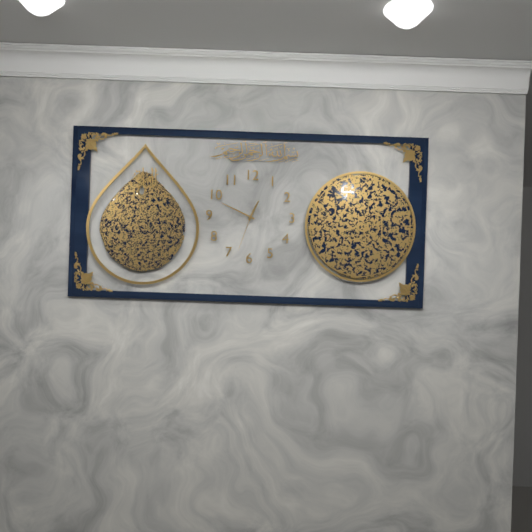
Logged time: h=12 m=49
